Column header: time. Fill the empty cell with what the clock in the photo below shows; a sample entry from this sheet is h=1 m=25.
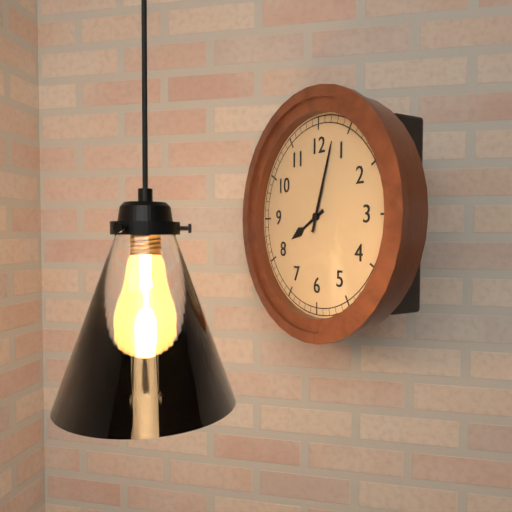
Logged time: h=8 m=3
